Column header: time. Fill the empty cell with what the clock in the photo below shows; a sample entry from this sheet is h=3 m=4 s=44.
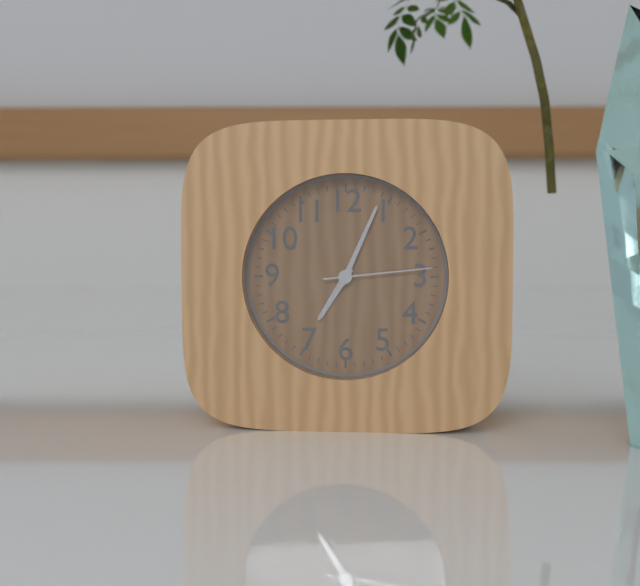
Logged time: h=7 m=4 s=14
